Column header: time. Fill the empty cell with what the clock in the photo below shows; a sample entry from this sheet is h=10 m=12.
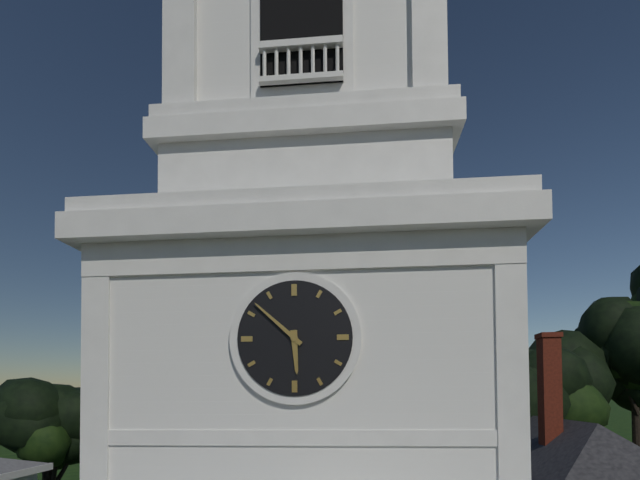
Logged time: h=5 m=52
